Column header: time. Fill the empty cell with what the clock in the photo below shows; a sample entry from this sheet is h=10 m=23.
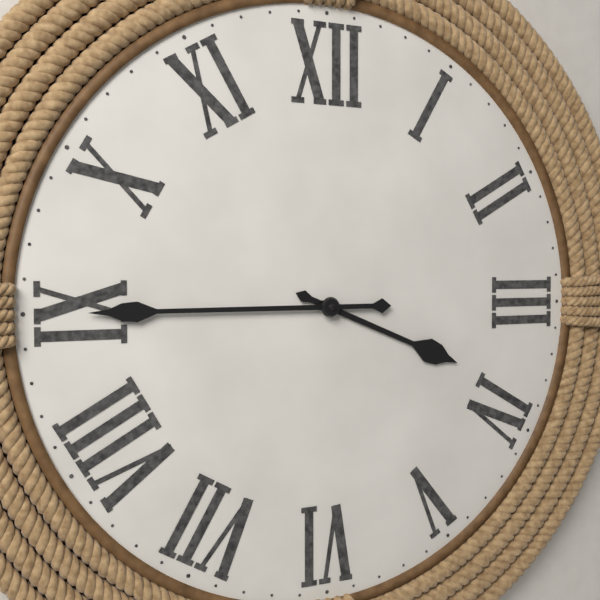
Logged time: h=3 m=45
